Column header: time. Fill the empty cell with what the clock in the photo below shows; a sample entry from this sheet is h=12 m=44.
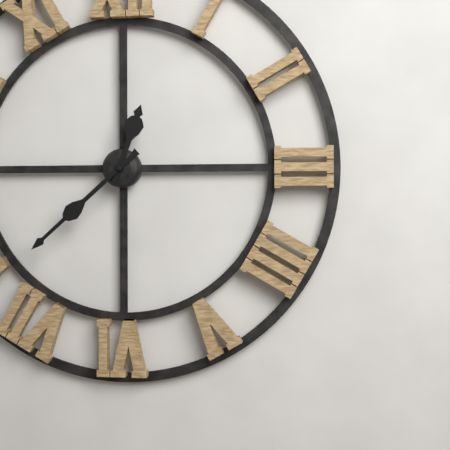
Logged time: h=12 m=38
